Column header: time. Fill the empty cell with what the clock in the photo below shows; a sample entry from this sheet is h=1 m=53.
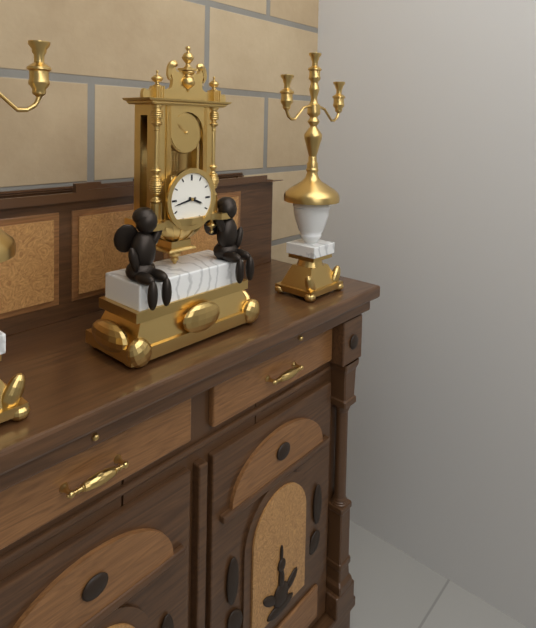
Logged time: h=3 m=43
